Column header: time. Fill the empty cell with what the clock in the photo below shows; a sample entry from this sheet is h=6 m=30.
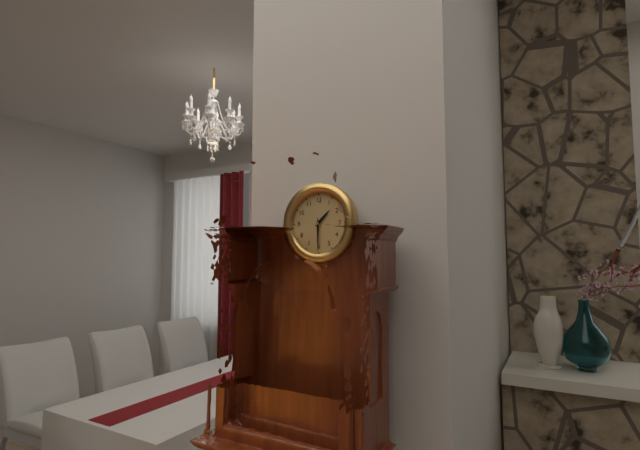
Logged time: h=1 m=30
